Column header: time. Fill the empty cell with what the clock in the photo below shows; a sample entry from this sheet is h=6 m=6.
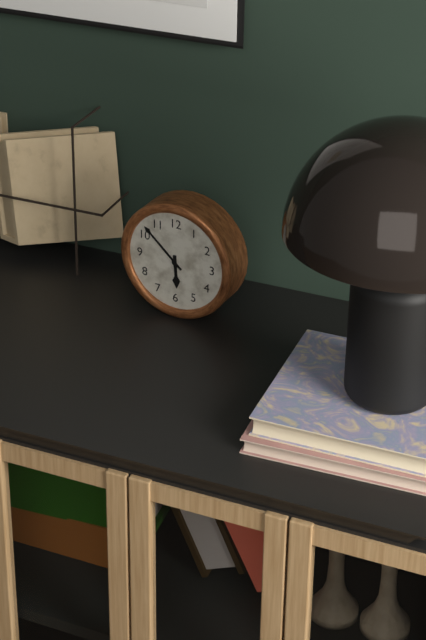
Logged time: h=5 m=52
